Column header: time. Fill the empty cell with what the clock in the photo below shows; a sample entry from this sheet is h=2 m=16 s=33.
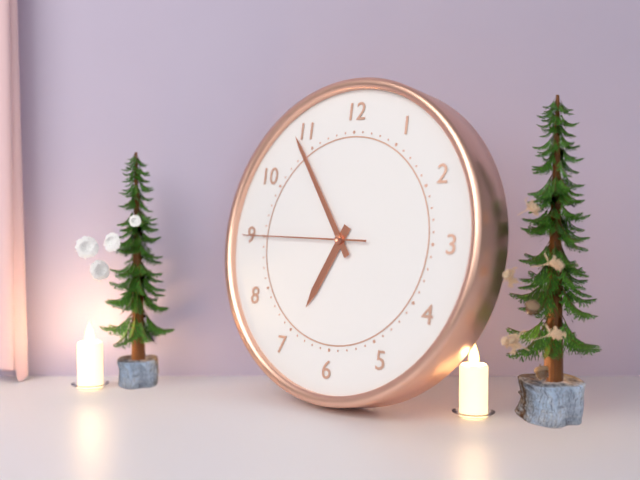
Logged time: h=6 m=54 s=45
